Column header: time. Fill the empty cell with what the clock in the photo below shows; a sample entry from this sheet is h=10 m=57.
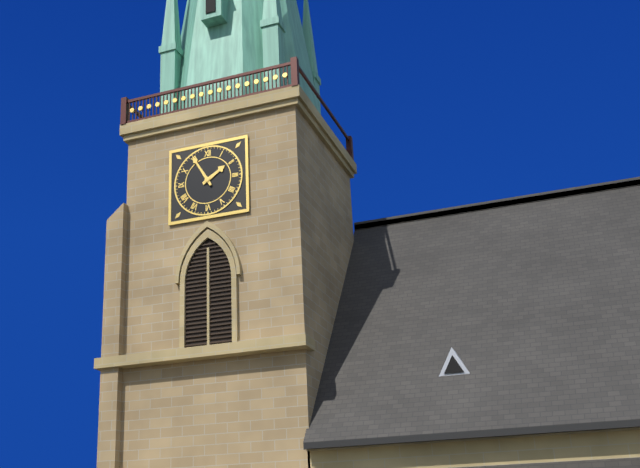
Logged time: h=1 m=55
